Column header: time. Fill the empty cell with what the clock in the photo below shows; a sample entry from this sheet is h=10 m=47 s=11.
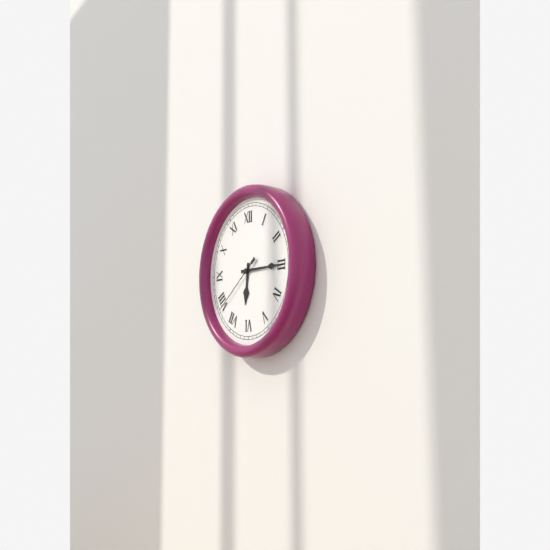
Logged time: h=6 m=15 s=39
